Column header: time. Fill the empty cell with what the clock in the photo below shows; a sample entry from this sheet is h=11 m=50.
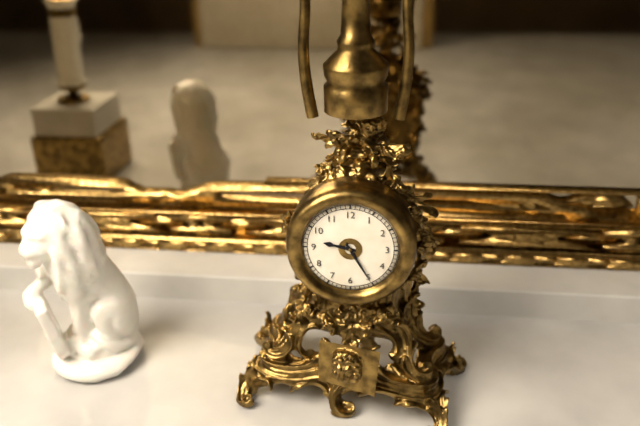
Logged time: h=9 m=25
